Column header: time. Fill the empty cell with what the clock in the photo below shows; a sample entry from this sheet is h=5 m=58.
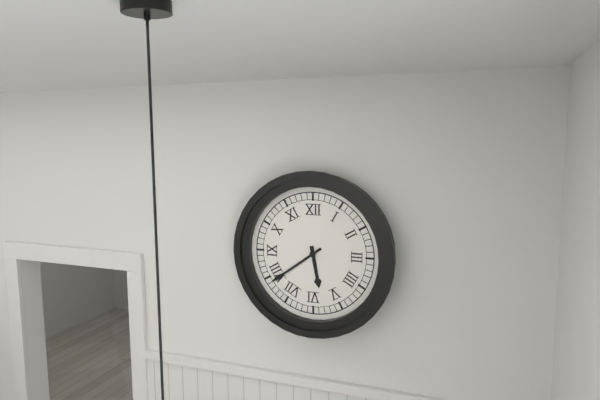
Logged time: h=5 m=39
